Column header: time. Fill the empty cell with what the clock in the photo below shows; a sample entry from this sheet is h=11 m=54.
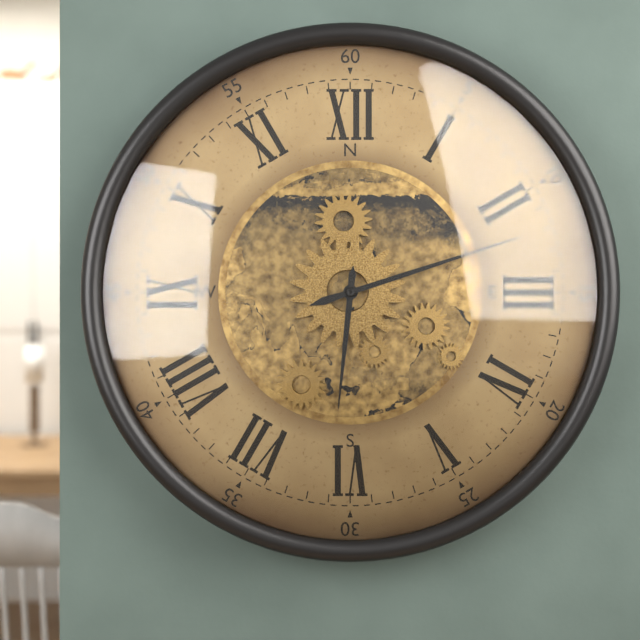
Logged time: h=6 m=12
